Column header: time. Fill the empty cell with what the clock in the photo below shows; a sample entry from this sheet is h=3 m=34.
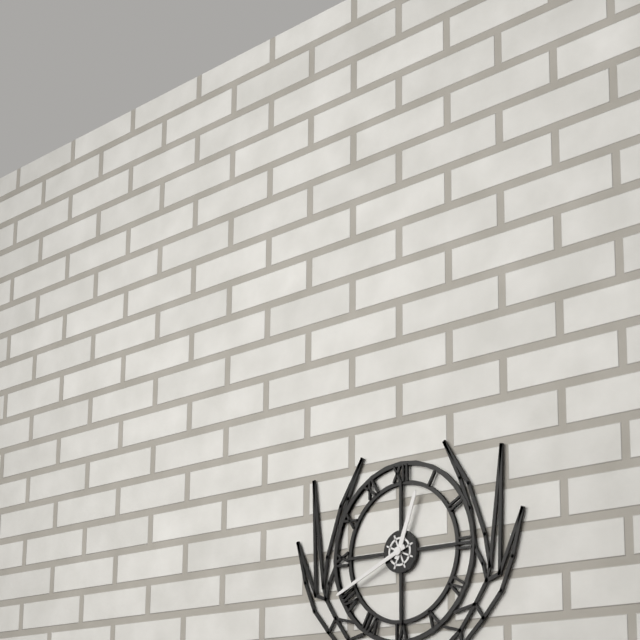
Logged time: h=12 m=41
